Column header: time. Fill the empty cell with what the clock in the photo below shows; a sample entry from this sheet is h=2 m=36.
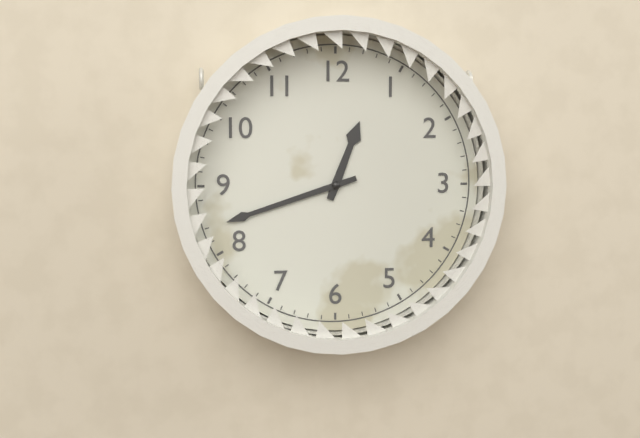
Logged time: h=12 m=42
